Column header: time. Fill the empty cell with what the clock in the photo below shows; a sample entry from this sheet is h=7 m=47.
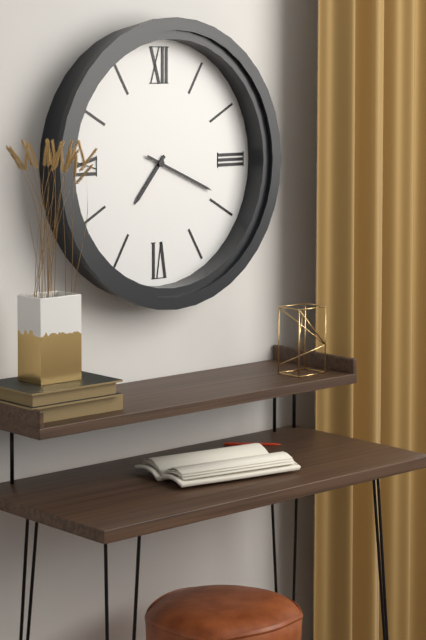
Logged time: h=7 m=19
